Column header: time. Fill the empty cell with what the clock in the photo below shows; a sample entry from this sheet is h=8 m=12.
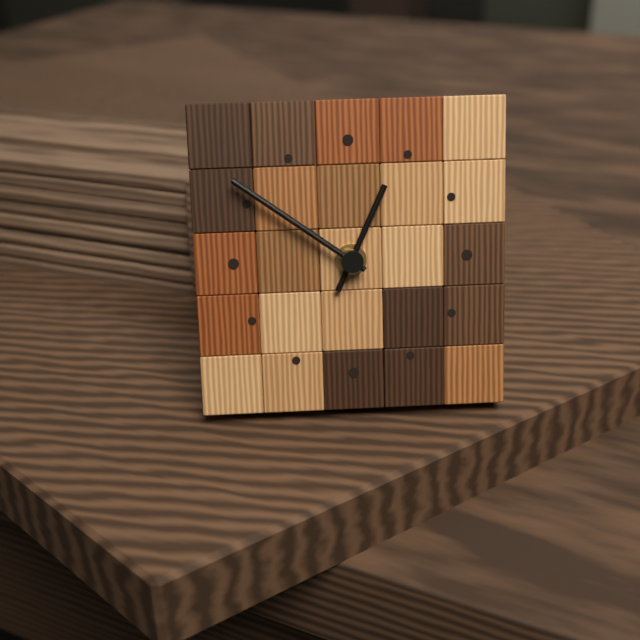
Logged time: h=12 m=51
